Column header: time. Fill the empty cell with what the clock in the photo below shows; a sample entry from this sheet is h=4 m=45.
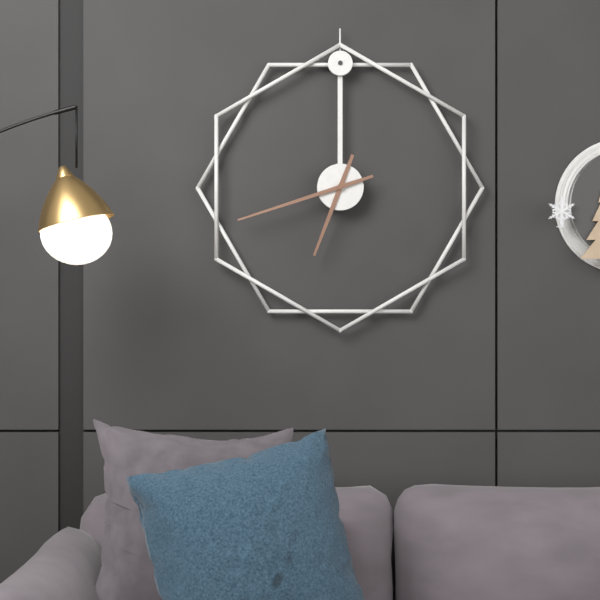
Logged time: h=6 m=42
